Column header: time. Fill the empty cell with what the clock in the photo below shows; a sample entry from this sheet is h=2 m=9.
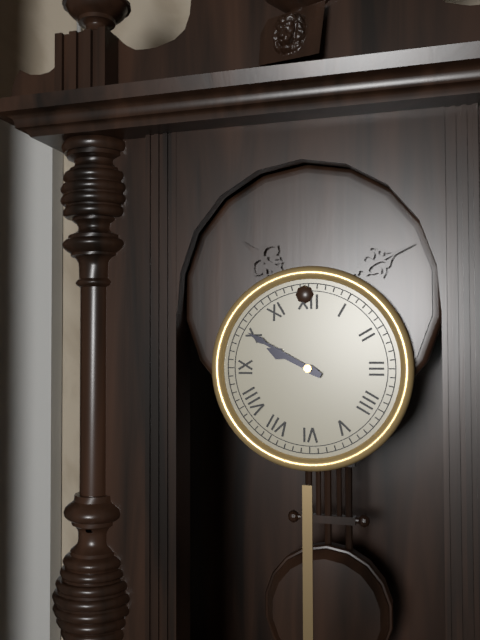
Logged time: h=9 m=50
